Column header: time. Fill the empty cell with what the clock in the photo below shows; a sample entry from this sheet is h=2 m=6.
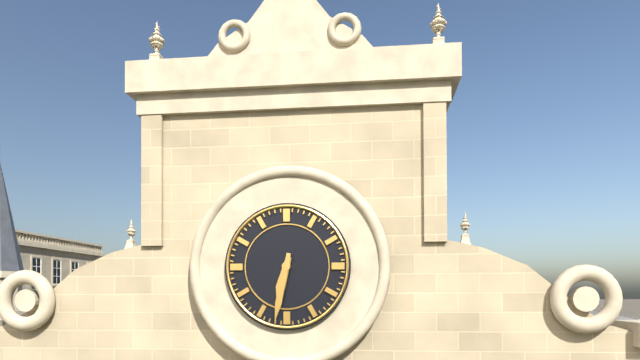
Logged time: h=6 m=32
